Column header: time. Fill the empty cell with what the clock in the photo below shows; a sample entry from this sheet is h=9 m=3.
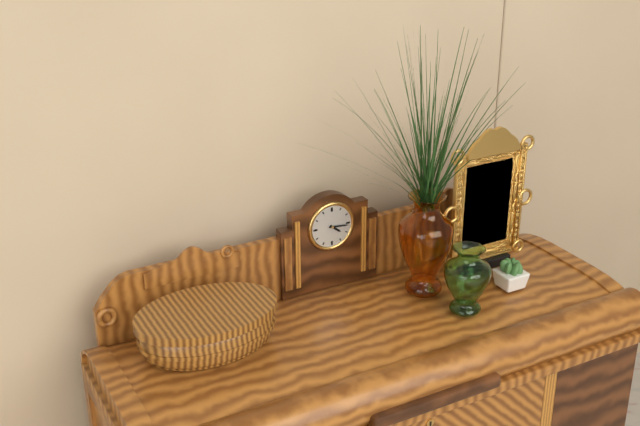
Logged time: h=4 m=16
